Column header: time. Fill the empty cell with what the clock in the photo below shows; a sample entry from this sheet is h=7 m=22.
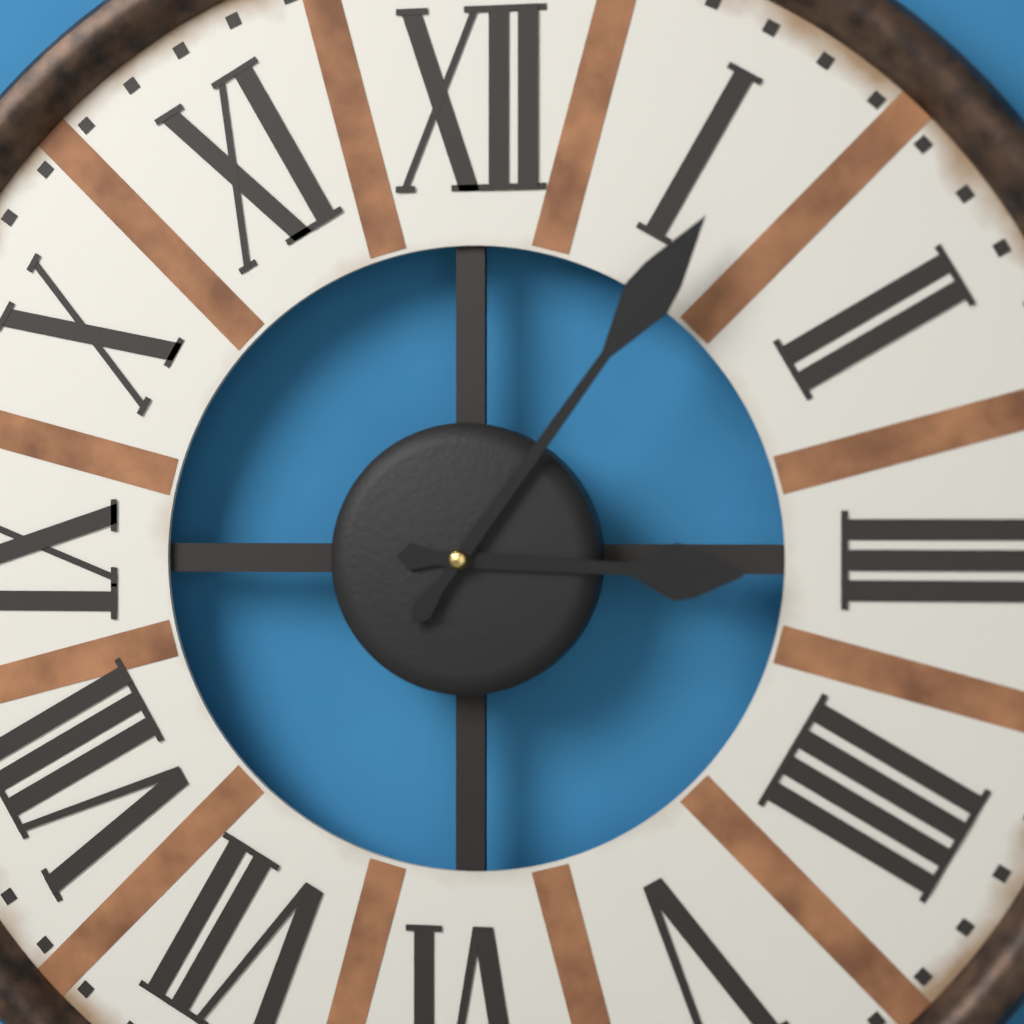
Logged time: h=3 m=6
